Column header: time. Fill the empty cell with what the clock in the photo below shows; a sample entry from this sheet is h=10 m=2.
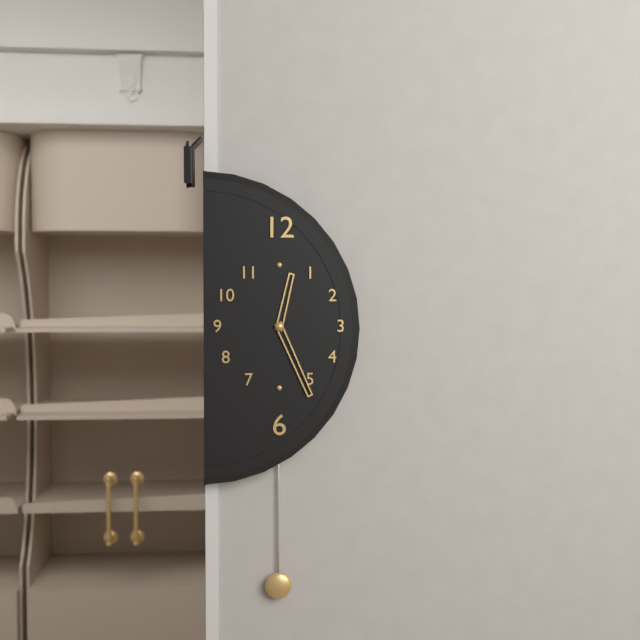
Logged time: h=12 m=26
